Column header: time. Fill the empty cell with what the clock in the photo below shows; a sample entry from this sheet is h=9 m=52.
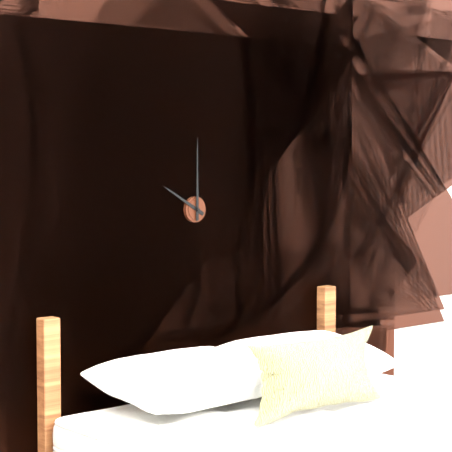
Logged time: h=10 m=0
